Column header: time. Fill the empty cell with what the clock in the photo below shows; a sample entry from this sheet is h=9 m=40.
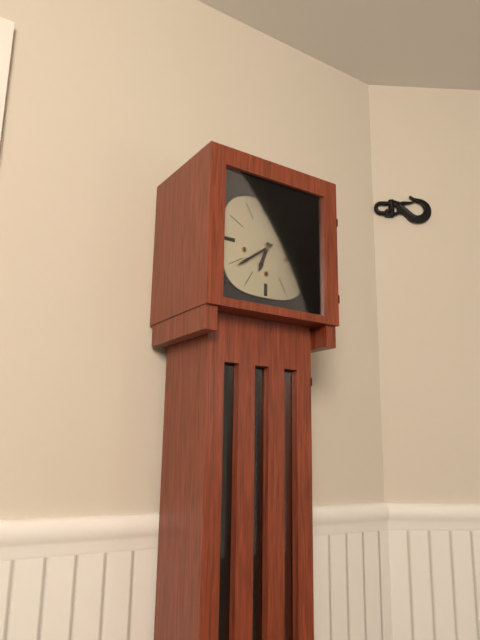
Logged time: h=6 m=39
